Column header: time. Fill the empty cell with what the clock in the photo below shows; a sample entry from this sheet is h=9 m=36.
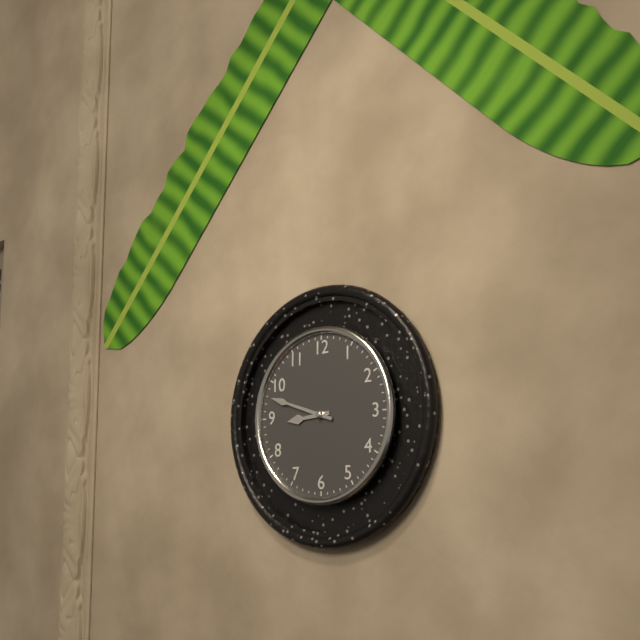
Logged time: h=8 m=48
